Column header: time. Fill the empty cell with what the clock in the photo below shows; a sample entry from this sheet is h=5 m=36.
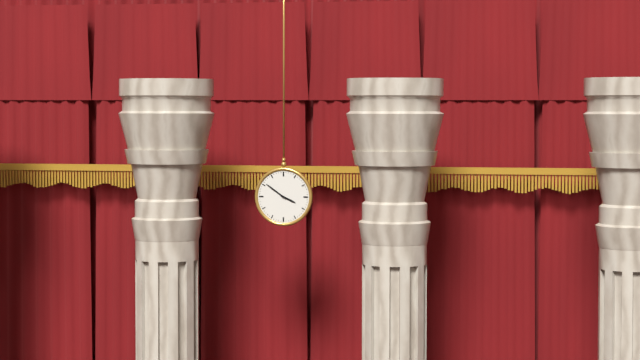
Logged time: h=3 m=51
